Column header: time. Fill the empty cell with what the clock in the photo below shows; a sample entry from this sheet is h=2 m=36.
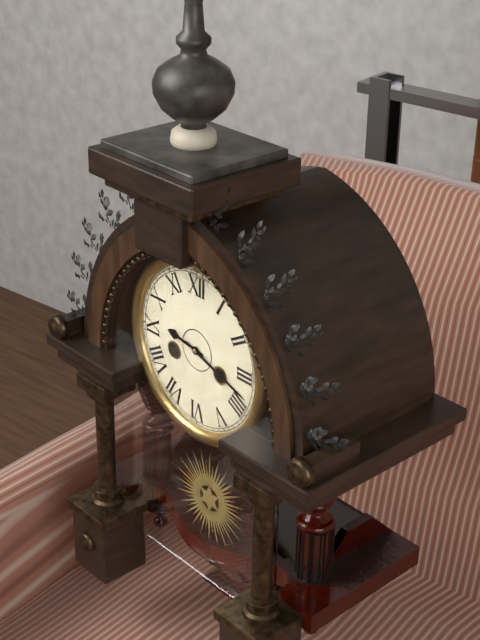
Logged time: h=9 m=18
